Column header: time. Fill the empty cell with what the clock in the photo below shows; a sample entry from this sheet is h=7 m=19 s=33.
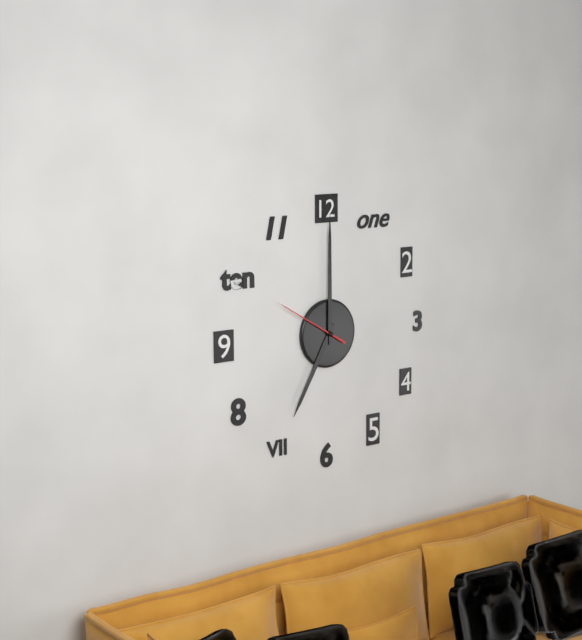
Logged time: h=7 m=0 s=50
